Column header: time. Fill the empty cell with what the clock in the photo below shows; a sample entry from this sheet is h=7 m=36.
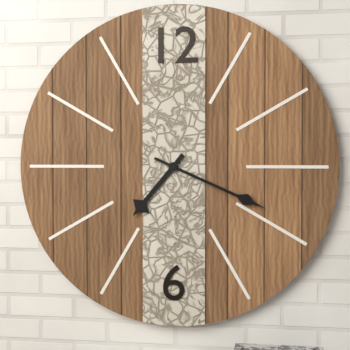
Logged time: h=7 m=19
